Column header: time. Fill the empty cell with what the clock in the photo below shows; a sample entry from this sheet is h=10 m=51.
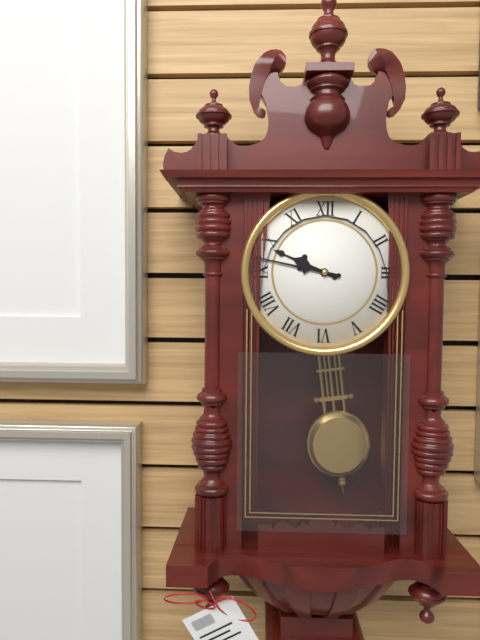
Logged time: h=9 m=47
